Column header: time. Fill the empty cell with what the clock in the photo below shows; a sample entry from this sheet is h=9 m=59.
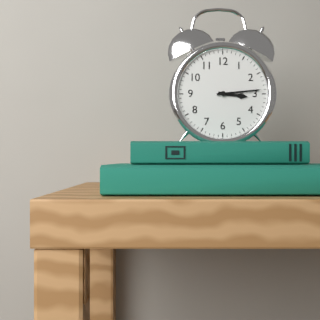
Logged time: h=3 m=14
